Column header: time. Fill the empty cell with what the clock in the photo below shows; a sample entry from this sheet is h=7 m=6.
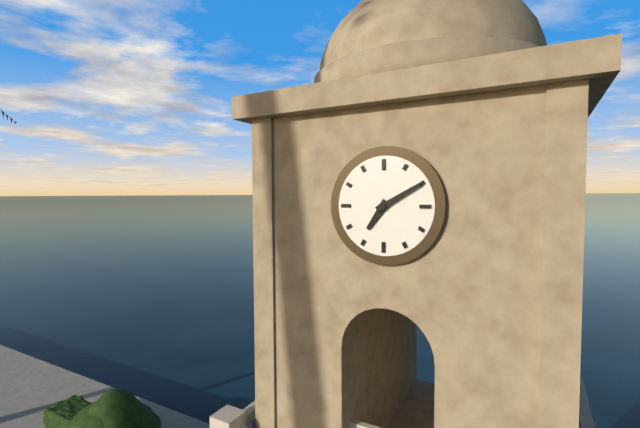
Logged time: h=7 m=10
